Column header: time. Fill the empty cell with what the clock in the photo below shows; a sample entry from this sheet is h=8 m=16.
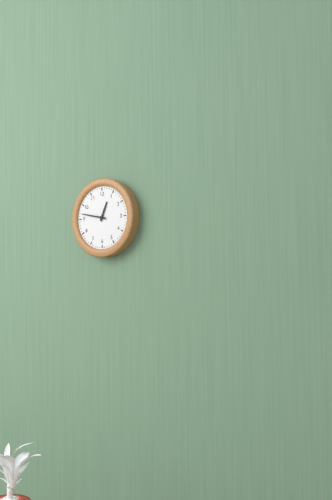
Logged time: h=12 m=47
